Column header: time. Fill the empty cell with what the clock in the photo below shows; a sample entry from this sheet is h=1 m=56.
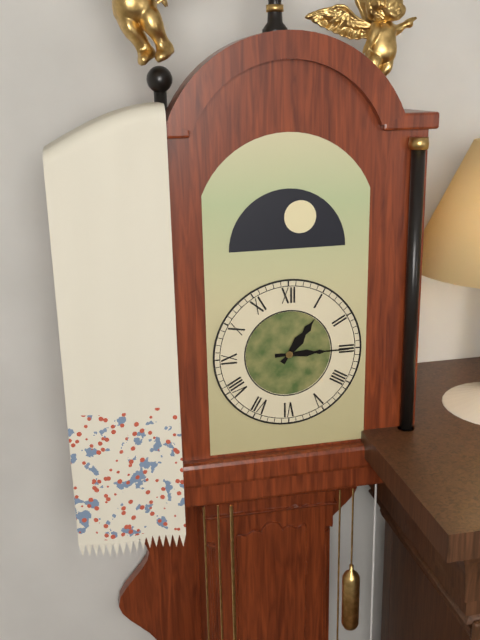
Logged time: h=1 m=15
